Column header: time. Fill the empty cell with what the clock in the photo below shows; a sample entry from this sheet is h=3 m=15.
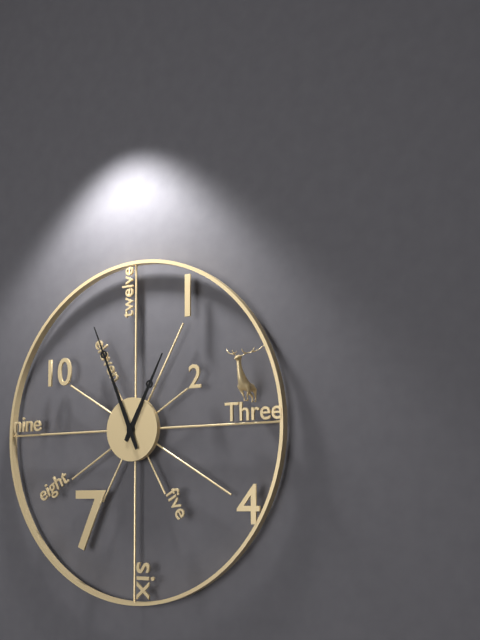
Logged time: h=12 m=56
